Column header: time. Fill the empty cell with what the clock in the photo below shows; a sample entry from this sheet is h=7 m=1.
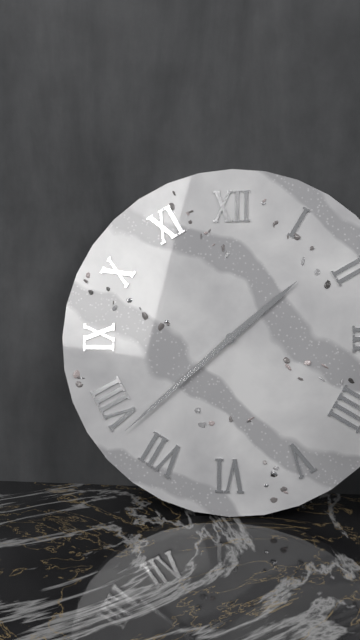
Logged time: h=1 m=38
